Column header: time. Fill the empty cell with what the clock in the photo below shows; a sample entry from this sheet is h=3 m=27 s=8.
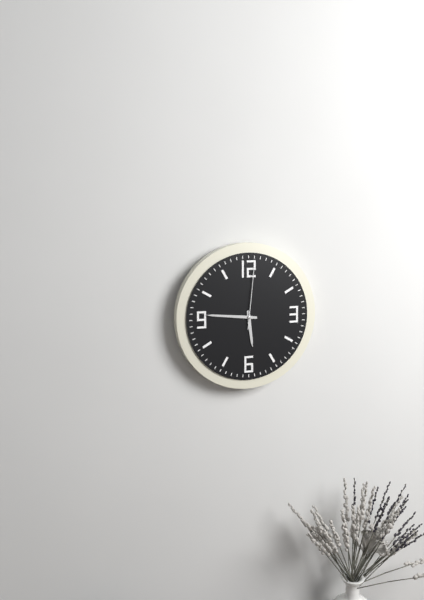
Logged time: h=5 m=46 s=1
